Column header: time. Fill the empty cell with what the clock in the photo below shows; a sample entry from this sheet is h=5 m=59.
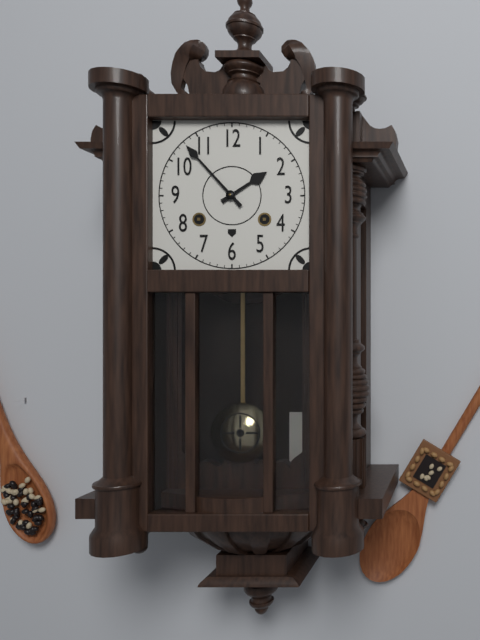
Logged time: h=1 m=53
